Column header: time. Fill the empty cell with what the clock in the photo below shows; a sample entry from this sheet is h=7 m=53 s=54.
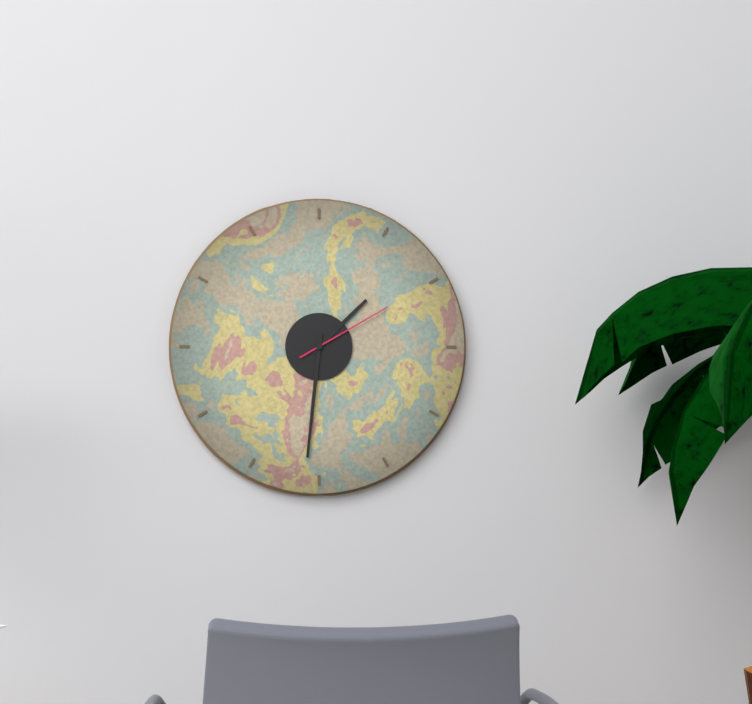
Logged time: h=1 m=31 s=10
